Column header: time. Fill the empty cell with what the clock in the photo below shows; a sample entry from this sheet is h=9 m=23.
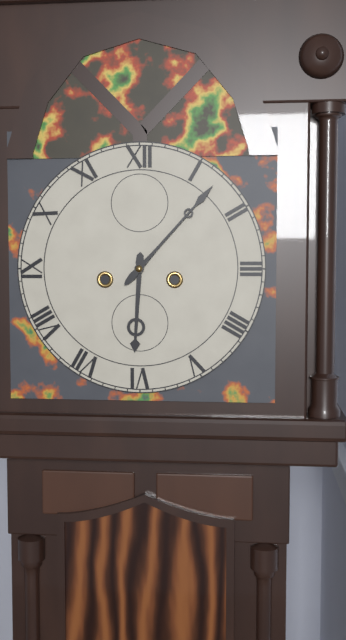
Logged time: h=6 m=7
